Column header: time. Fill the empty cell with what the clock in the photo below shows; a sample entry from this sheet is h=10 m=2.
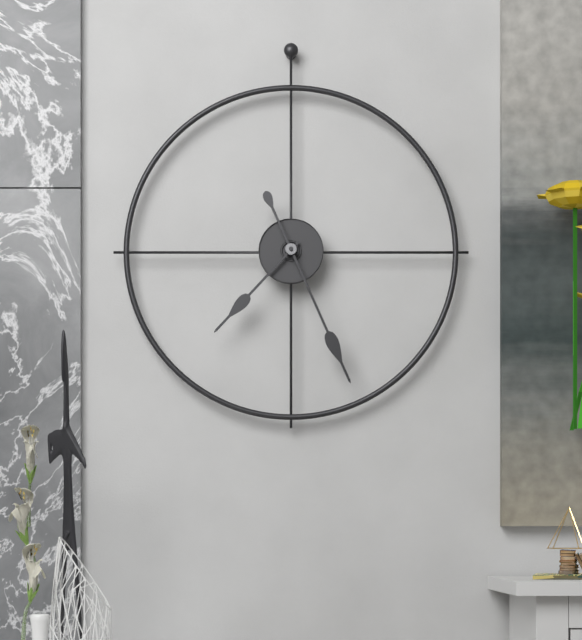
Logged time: h=7 m=26
